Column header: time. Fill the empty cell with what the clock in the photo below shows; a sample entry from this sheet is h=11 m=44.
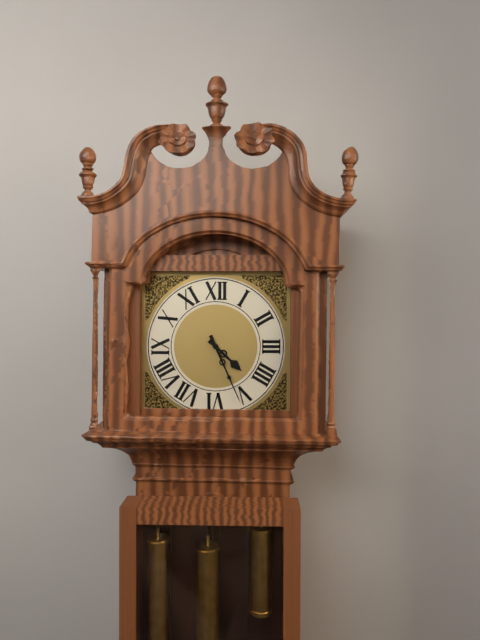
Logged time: h=4 m=26
